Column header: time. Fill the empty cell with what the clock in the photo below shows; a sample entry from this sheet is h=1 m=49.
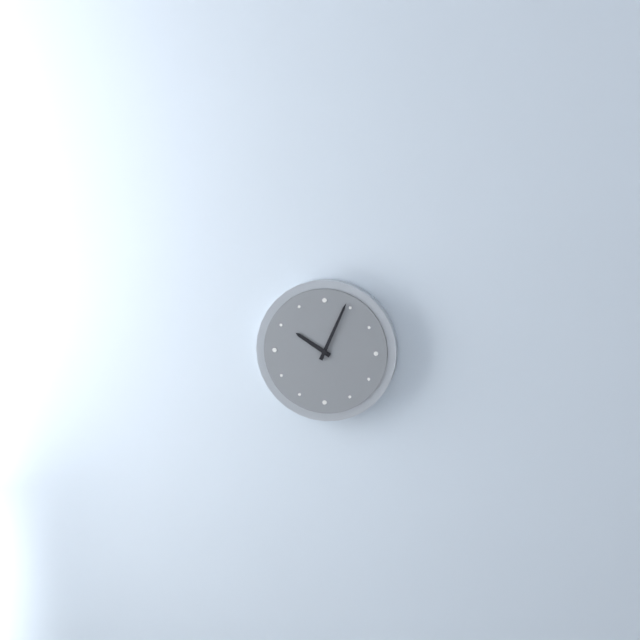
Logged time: h=10 m=4
